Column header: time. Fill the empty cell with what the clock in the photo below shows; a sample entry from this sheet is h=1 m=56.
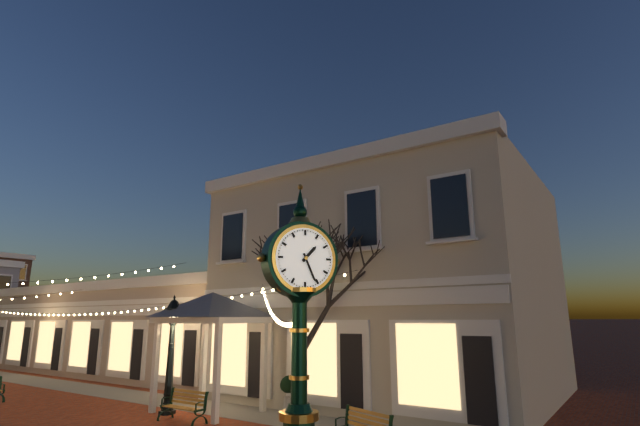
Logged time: h=1 m=26
